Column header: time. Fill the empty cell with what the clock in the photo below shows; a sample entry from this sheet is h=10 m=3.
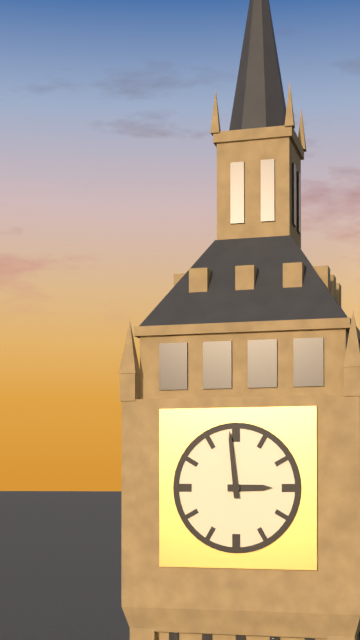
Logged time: h=2 m=59
